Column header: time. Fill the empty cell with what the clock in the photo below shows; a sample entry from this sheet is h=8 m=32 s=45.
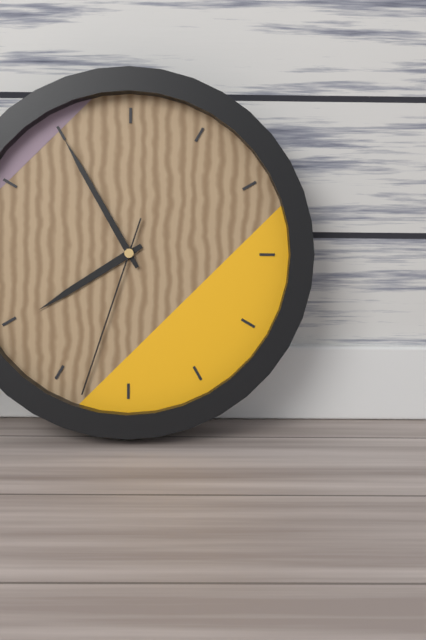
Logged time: h=7 m=55 s=33
